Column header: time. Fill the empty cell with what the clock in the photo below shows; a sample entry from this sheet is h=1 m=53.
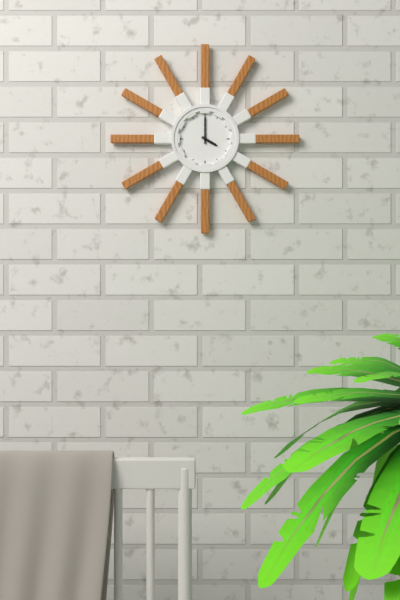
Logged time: h=4 m=0
